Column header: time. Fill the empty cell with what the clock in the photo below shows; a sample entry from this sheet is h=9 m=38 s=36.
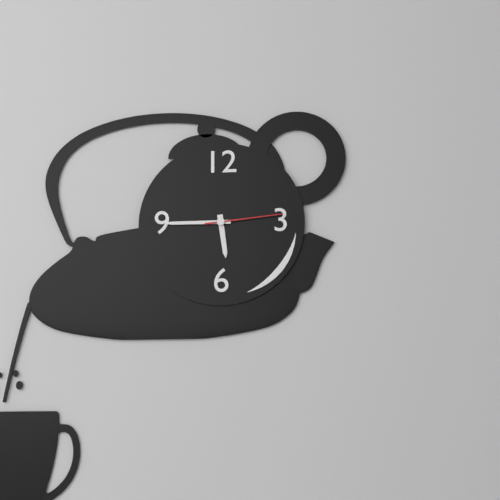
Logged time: h=5 m=45 s=14
